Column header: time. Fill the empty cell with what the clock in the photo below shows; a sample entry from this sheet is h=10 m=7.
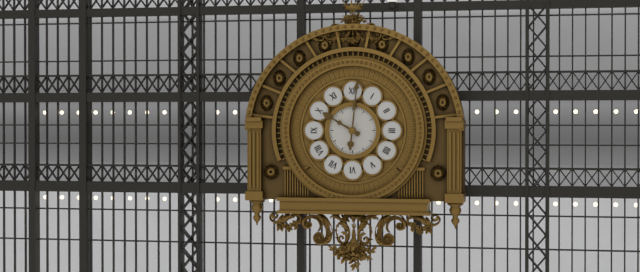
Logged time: h=10 m=1
